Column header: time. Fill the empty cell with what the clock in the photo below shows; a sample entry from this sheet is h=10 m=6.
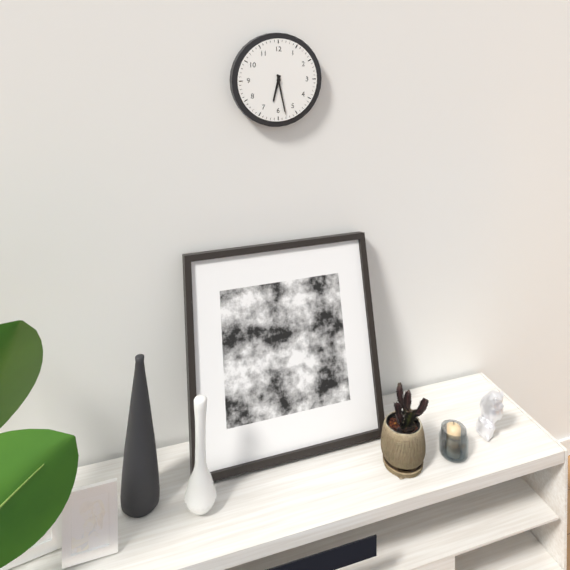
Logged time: h=6 m=28
